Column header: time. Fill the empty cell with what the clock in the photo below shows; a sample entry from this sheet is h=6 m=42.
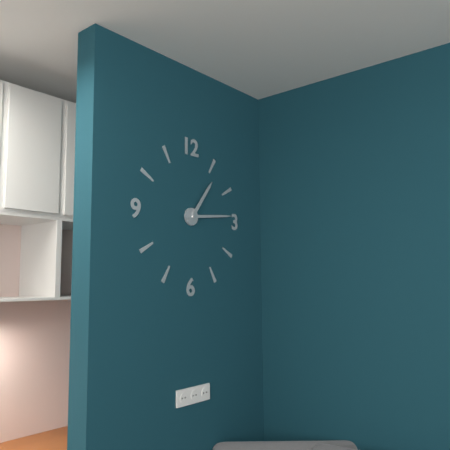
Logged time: h=1 m=14
